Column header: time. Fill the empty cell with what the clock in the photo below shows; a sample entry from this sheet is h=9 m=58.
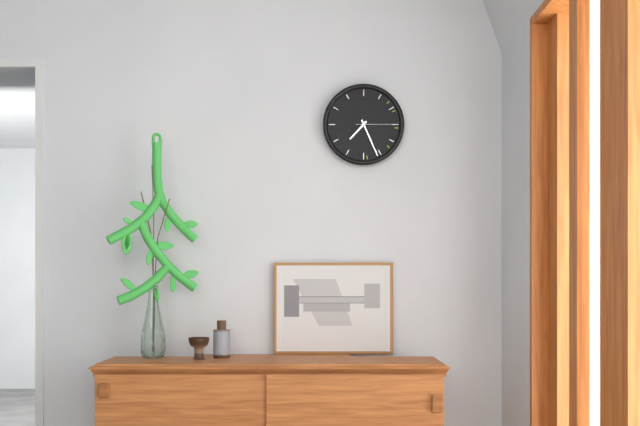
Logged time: h=7 m=26
